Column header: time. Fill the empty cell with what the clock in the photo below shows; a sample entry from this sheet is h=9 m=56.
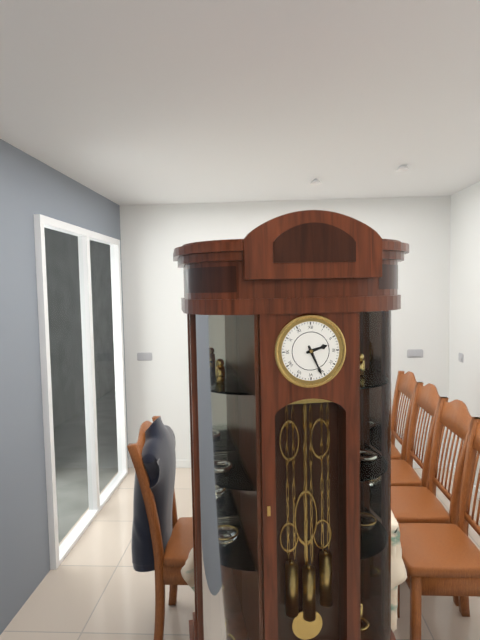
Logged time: h=2 m=26
